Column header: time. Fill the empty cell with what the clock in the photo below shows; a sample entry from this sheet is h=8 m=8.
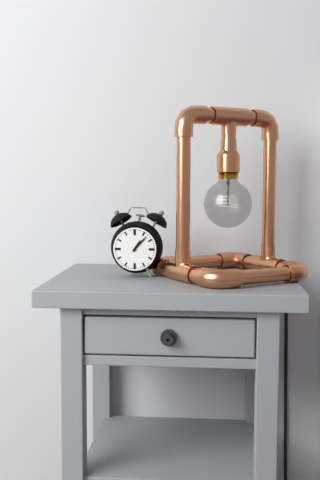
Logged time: h=1 m=7
